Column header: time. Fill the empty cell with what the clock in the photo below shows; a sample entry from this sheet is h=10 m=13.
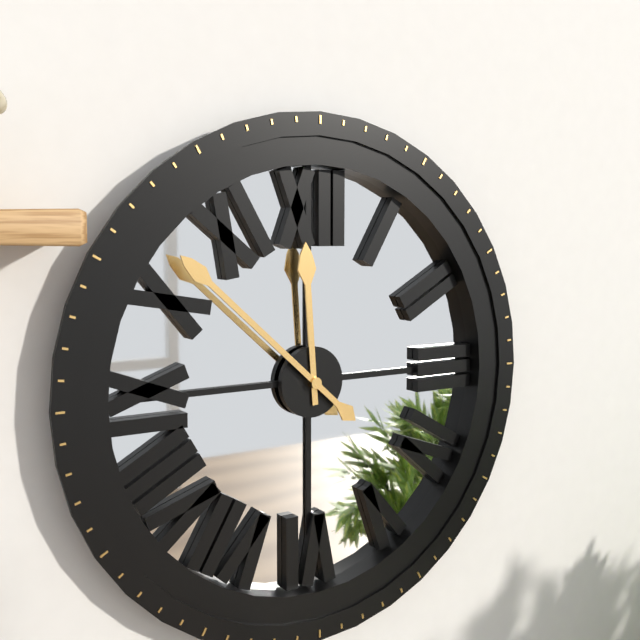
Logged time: h=11 m=52
